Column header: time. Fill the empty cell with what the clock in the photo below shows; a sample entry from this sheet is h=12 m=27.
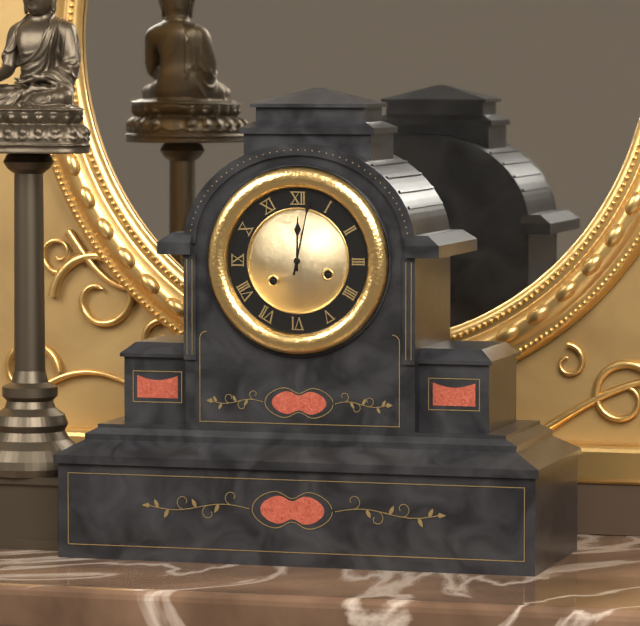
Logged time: h=12 m=2
